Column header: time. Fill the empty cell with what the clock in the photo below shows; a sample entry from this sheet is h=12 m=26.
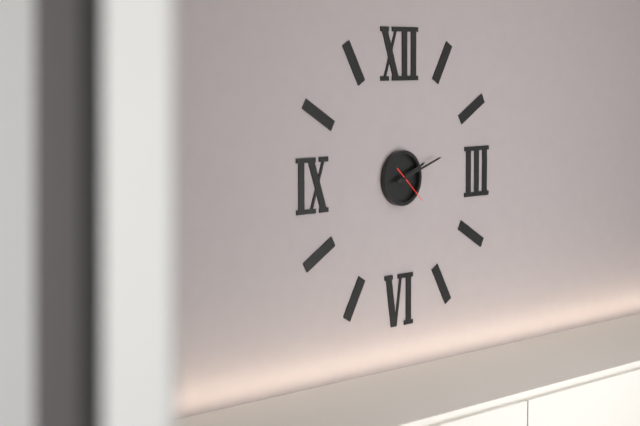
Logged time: h=2 m=12
